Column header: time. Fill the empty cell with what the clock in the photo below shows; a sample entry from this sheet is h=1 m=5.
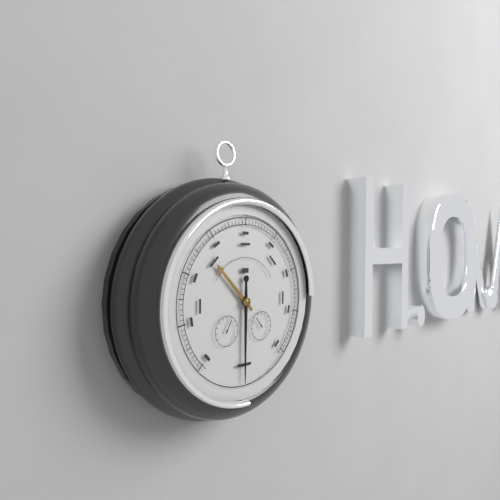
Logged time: h=10 m=30
